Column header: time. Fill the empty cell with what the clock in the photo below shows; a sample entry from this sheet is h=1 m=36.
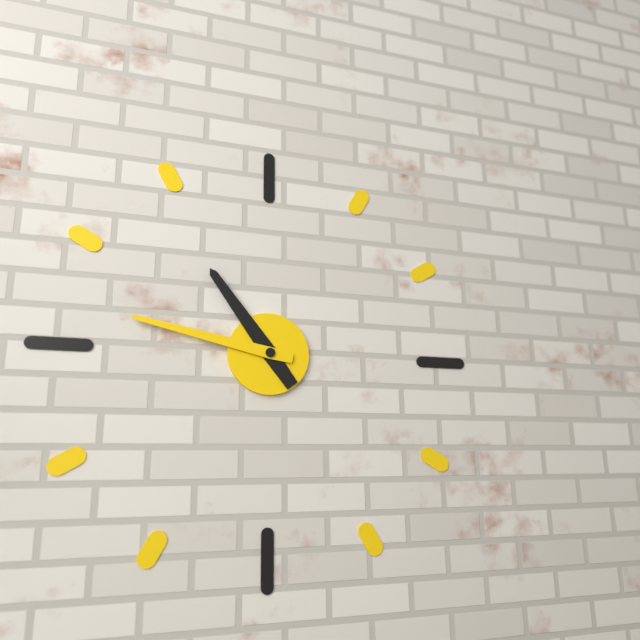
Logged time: h=10 m=47
